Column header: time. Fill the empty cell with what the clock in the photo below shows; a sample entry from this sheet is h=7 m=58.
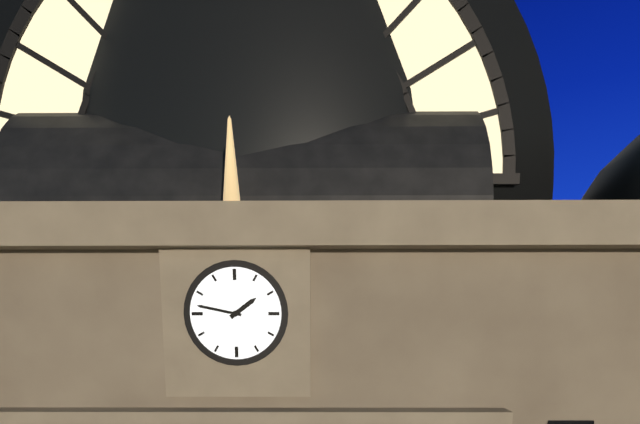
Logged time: h=1 m=47
